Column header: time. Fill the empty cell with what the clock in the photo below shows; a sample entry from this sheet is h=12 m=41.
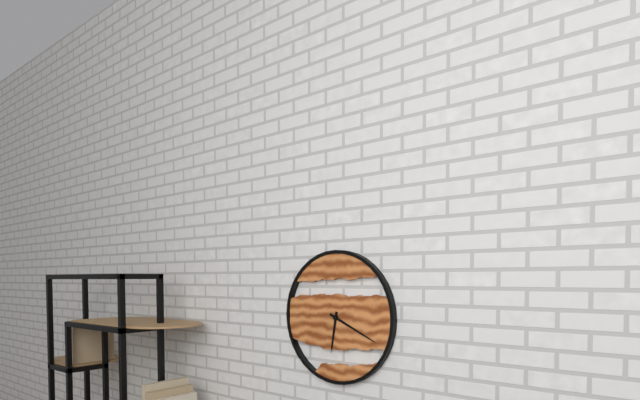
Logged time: h=6 m=19
